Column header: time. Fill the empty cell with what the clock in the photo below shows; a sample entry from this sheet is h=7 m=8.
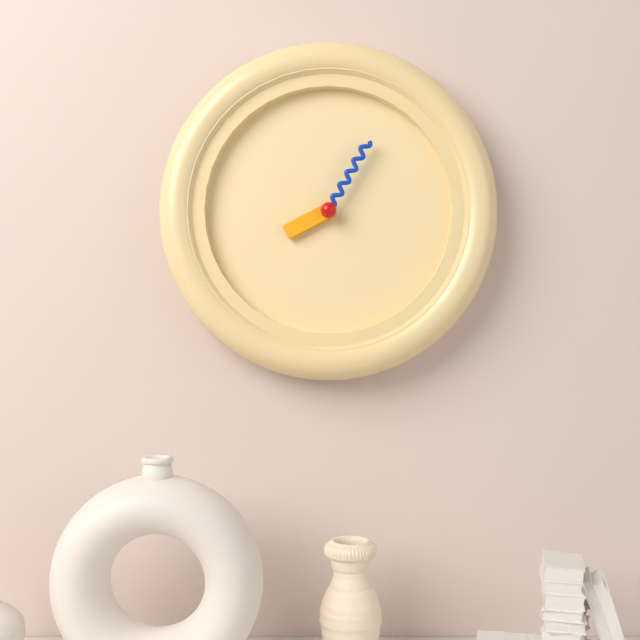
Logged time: h=8 m=5
